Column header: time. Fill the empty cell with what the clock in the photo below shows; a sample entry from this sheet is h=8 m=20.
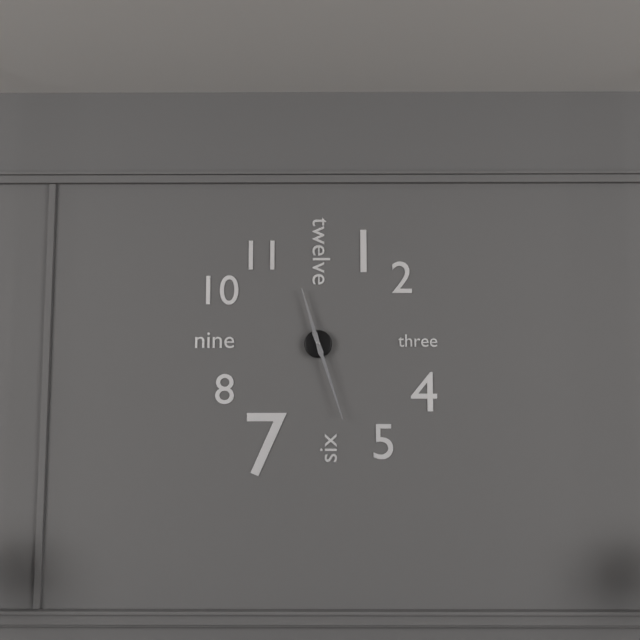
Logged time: h=11 m=27
